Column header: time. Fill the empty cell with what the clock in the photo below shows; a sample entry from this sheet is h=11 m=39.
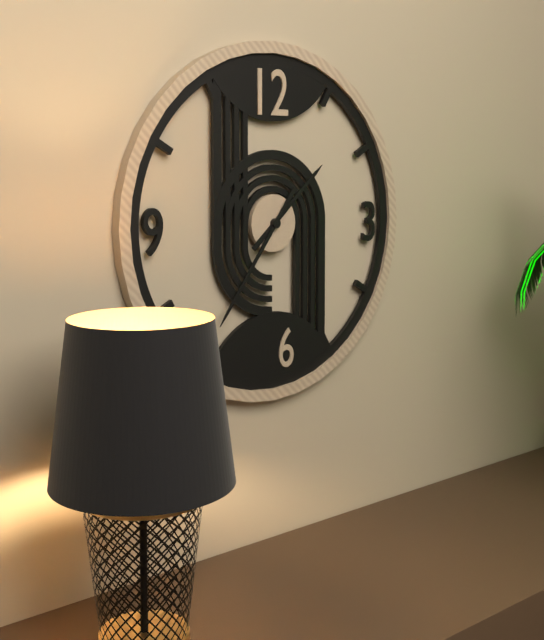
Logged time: h=1 m=36
